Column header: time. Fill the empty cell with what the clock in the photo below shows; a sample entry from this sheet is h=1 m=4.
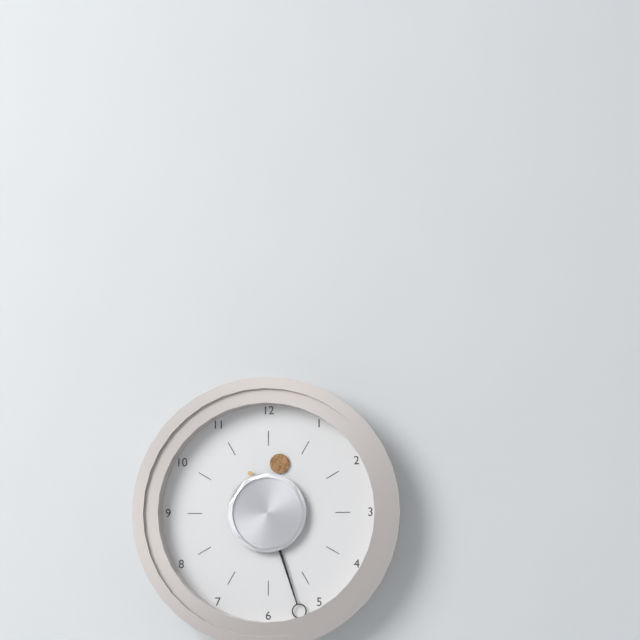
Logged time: h=12 m=27
